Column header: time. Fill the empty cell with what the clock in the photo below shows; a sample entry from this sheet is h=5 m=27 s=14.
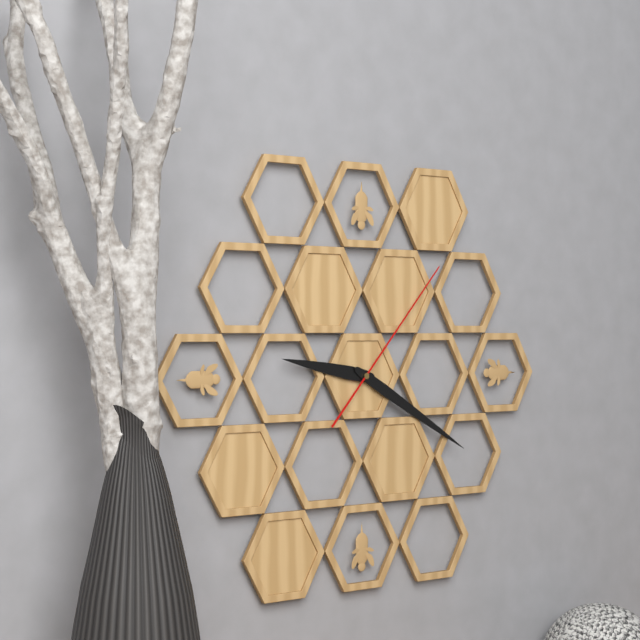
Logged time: h=9 m=20 s=7
